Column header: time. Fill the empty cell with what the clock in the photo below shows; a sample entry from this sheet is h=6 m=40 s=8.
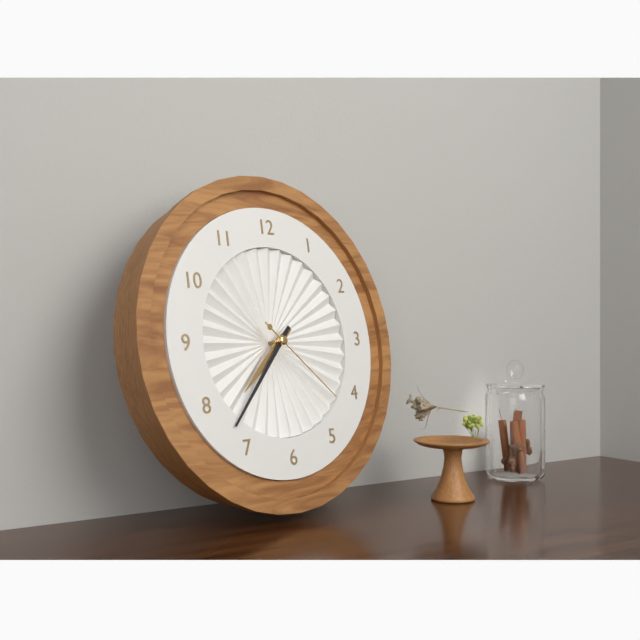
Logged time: h=7 m=37 s=22
